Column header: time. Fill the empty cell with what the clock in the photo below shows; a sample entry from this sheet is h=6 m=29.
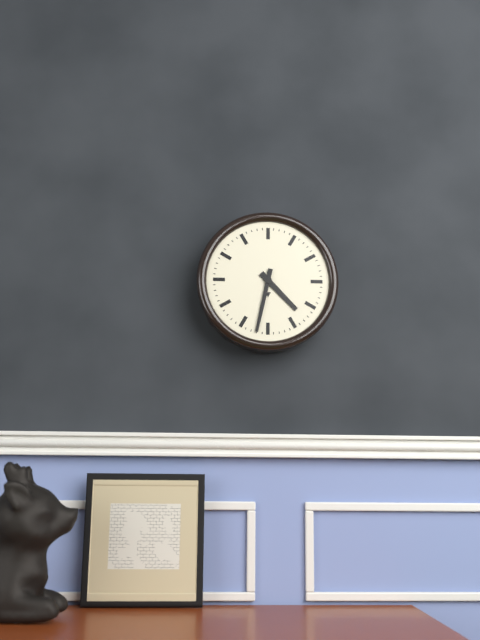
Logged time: h=4 m=32
